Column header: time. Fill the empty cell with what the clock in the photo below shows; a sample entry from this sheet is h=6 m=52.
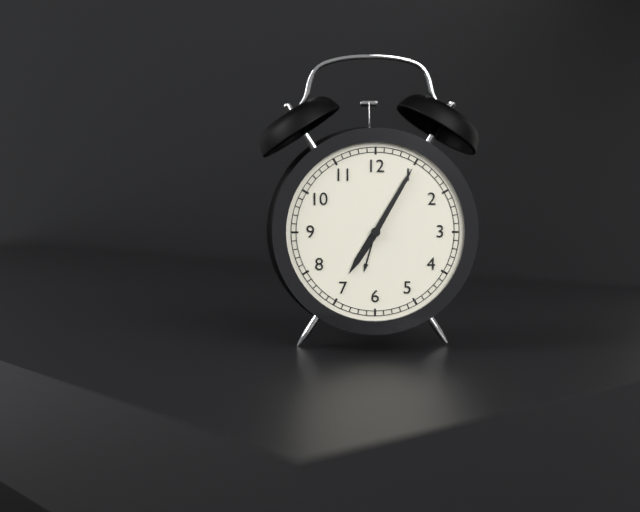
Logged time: h=7 m=5
